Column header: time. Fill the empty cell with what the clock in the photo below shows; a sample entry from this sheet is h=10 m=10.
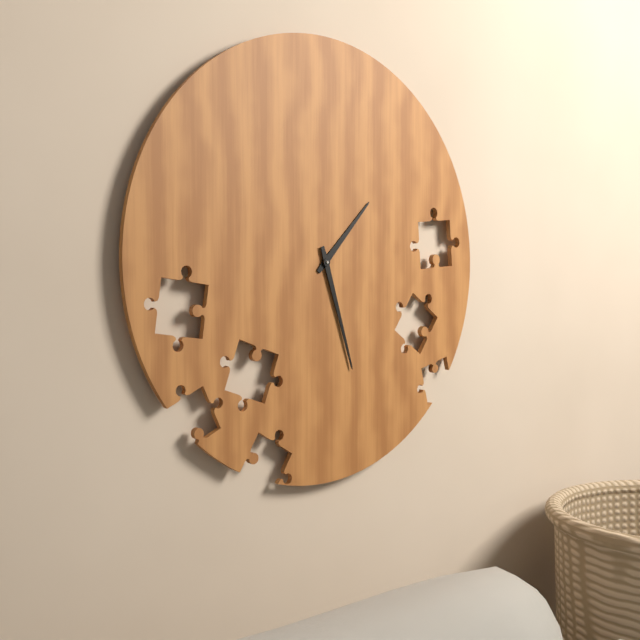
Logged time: h=1 m=27
